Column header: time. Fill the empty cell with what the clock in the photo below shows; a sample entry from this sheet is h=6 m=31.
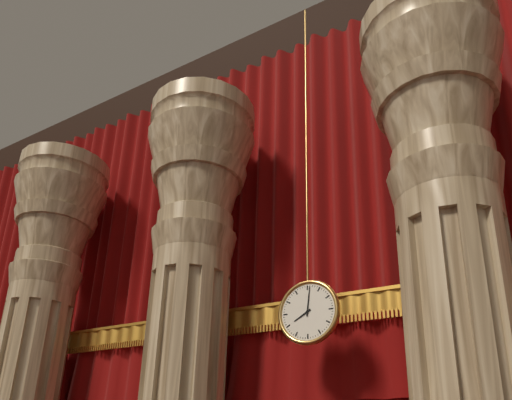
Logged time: h=8 m=1
